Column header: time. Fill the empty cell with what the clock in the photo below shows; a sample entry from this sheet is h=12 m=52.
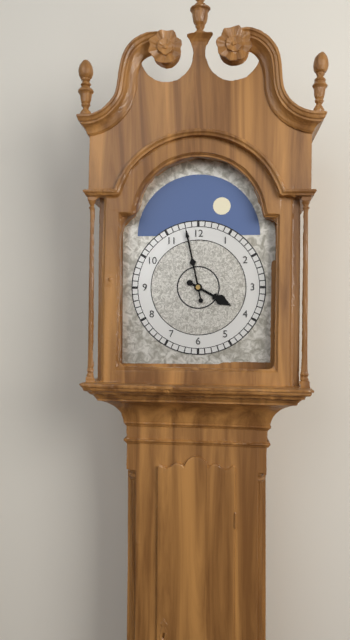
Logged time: h=3 m=58
